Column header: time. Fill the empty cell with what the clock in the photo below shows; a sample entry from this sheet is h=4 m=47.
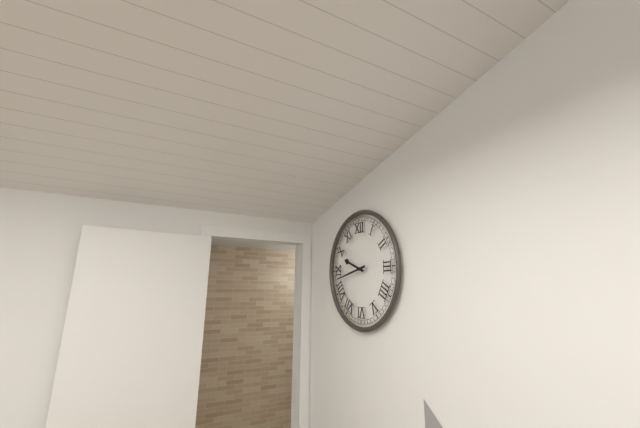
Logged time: h=9 m=43
